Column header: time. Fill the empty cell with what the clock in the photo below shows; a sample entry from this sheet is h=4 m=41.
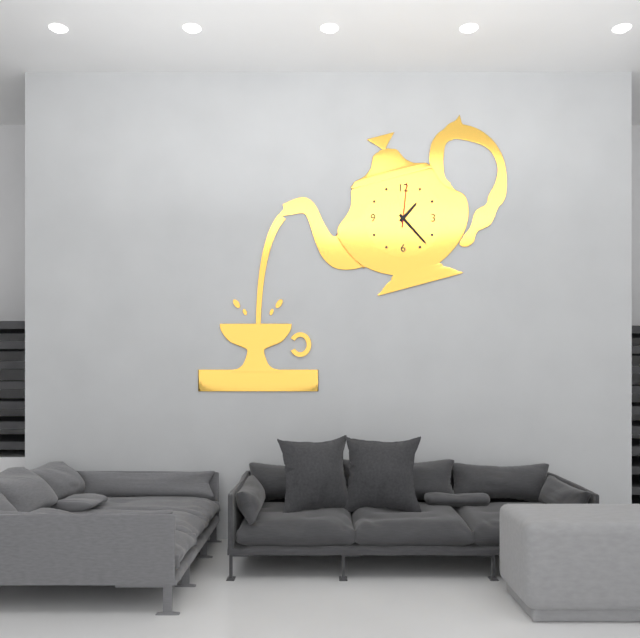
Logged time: h=1 m=23
